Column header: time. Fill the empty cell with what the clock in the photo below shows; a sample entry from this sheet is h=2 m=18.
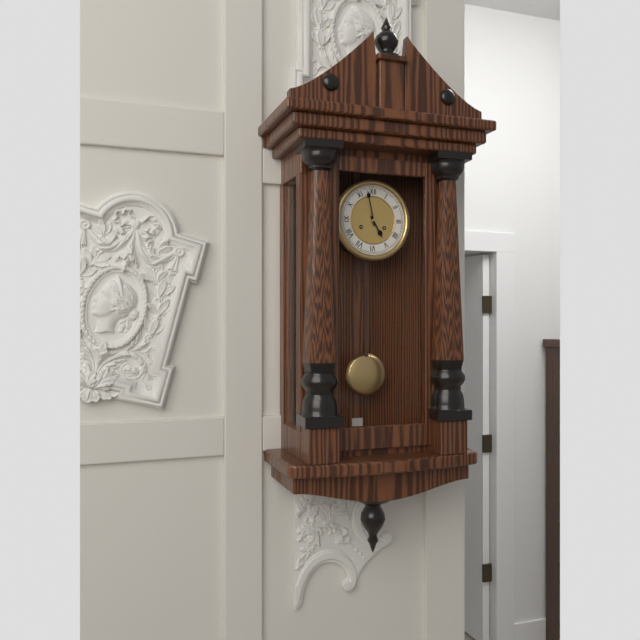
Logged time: h=4 m=58
